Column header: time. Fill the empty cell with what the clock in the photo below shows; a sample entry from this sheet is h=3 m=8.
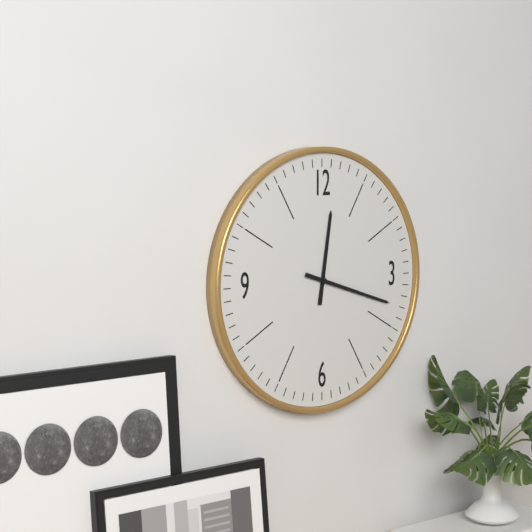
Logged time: h=12 m=18
